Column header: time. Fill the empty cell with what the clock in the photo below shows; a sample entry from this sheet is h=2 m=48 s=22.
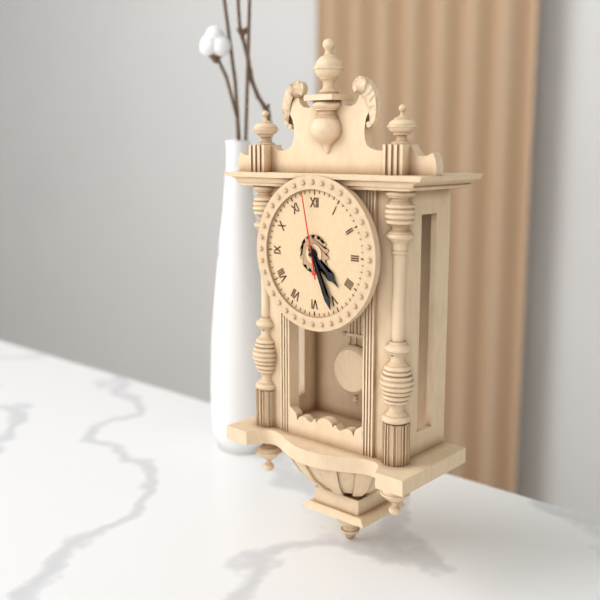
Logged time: h=4 m=26 s=58
